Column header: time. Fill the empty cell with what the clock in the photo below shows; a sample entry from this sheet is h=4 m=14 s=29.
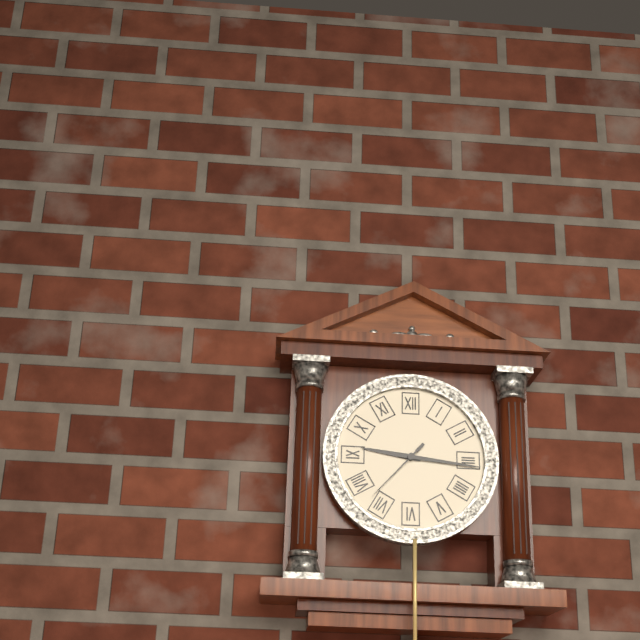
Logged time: h=9 m=16 s=37
